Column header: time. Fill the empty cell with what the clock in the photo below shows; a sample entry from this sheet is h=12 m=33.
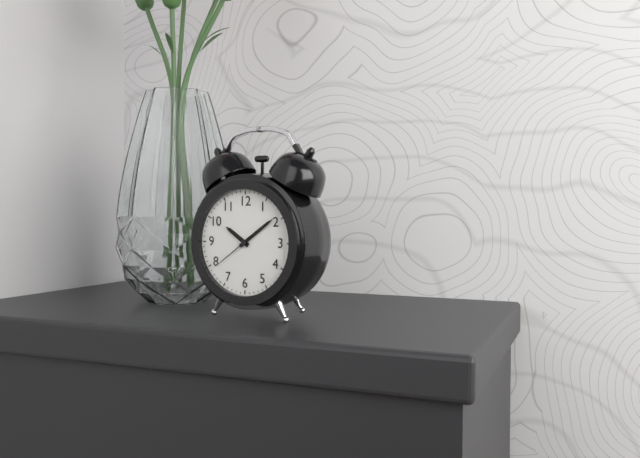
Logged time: h=10 m=9
